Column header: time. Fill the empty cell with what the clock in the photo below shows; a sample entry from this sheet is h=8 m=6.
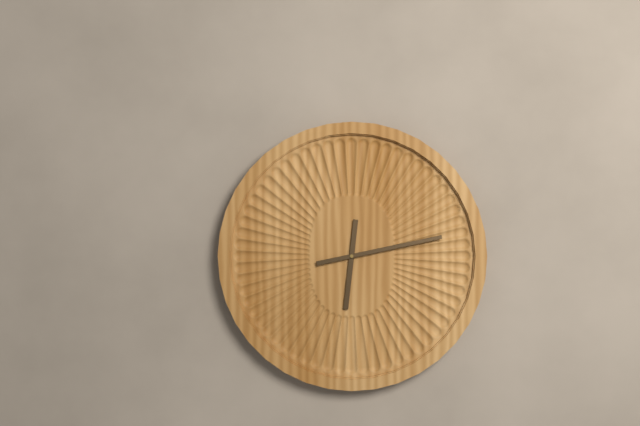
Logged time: h=6 m=13
